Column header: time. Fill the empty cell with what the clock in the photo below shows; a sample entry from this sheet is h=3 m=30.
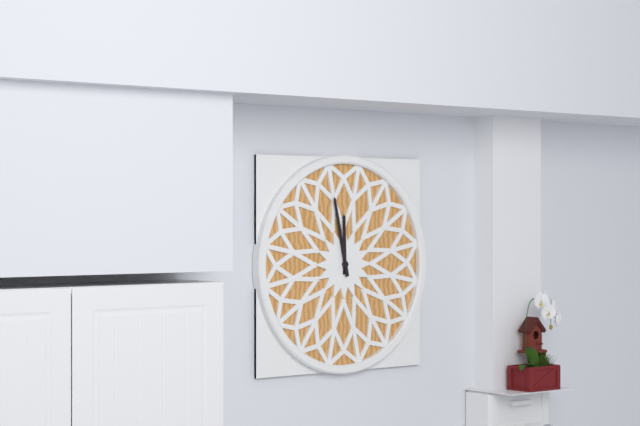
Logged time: h=11 m=58
